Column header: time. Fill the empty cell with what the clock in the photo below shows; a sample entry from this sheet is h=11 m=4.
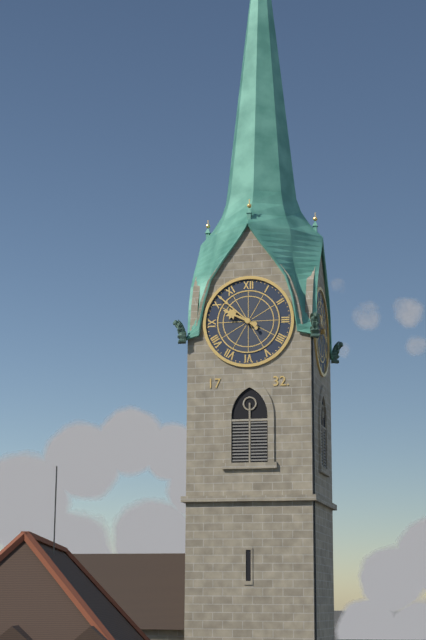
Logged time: h=9 m=52
